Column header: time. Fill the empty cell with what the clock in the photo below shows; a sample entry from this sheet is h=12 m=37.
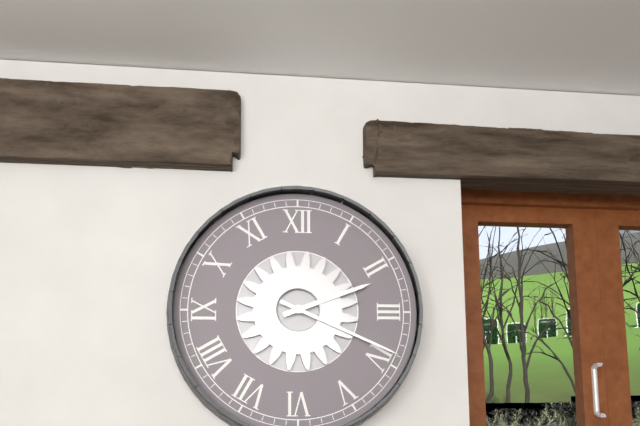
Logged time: h=2 m=19
